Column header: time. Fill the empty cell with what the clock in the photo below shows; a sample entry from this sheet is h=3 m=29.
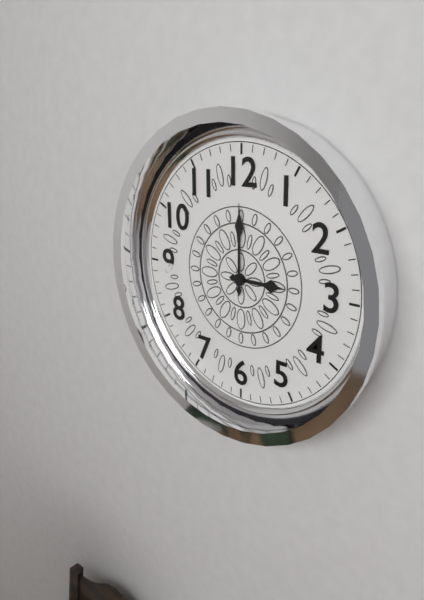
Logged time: h=3 m=0
